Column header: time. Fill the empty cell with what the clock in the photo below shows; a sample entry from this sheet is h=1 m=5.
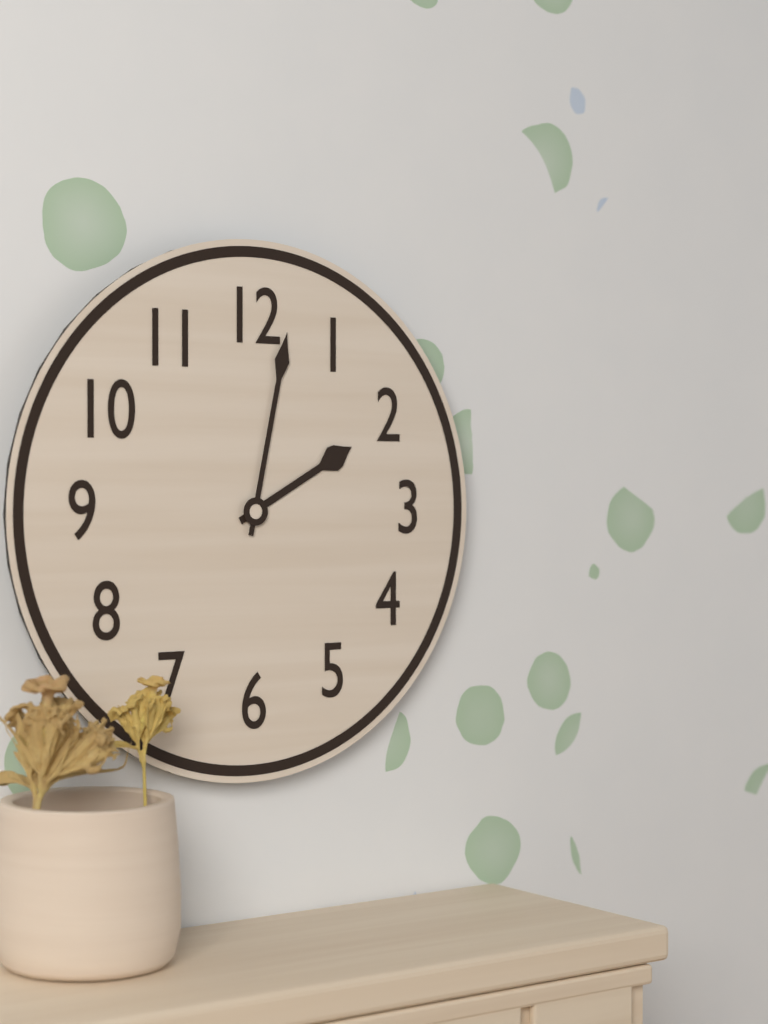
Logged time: h=2 m=2
